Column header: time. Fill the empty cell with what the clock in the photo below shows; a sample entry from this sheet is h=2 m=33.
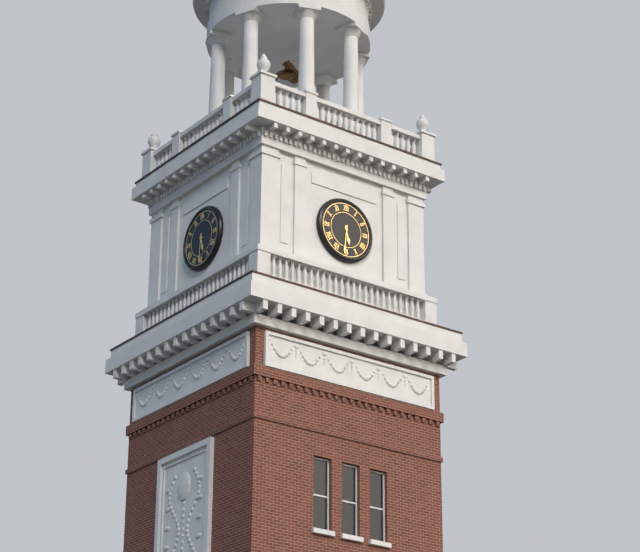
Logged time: h=5 m=31
